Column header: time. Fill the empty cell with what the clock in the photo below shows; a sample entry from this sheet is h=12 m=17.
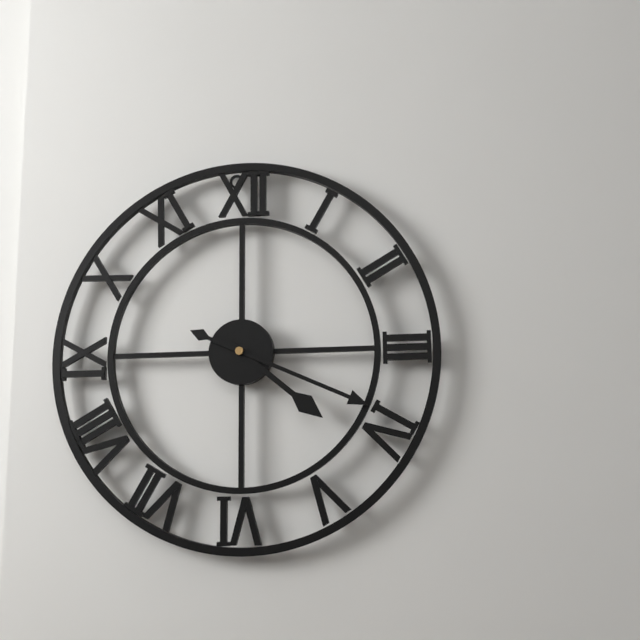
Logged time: h=4 m=19
